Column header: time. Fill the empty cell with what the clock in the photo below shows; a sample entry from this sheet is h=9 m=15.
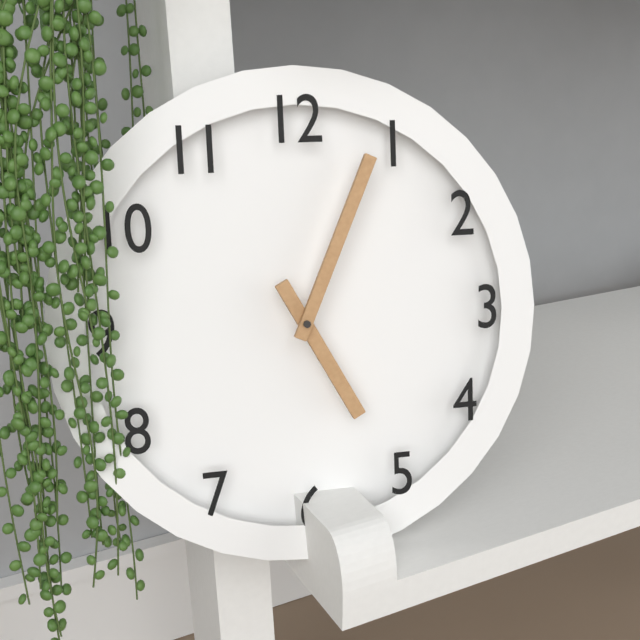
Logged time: h=5 m=4
